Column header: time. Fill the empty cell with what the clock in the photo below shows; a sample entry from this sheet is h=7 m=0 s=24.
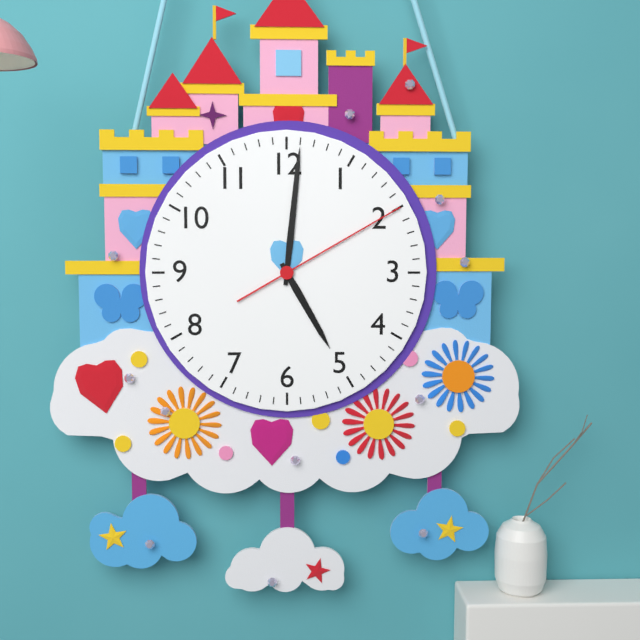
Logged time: h=5 m=1 s=10
